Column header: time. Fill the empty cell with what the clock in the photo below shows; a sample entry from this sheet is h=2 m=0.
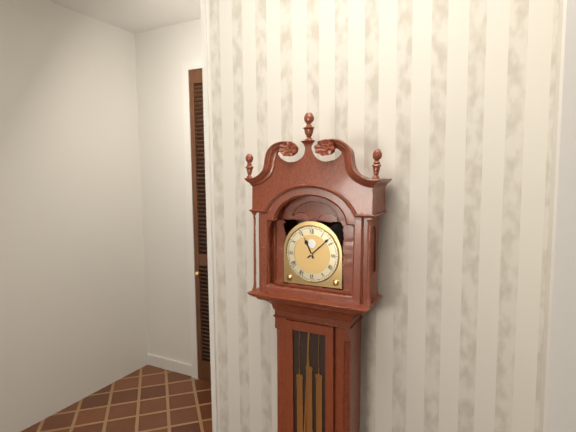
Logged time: h=11 m=8
